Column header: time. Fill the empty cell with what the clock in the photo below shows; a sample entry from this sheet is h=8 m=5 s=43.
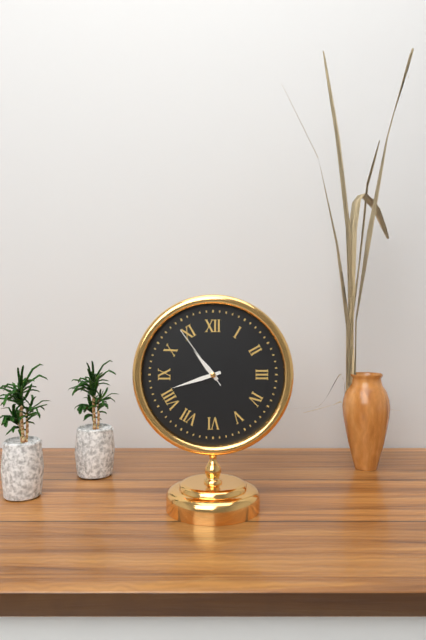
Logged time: h=10 m=42 s=54
